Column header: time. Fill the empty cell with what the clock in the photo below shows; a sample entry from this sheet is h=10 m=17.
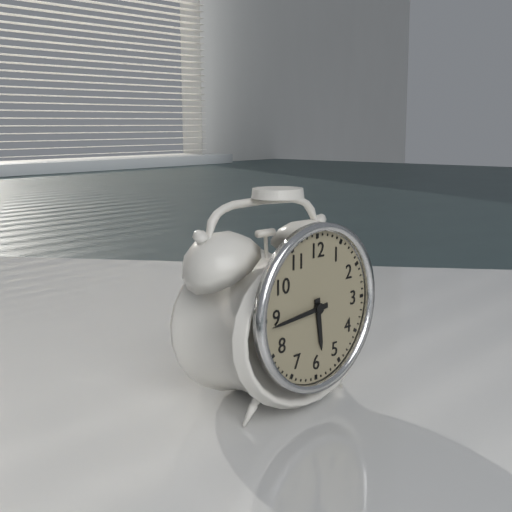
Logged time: h=5 m=44
